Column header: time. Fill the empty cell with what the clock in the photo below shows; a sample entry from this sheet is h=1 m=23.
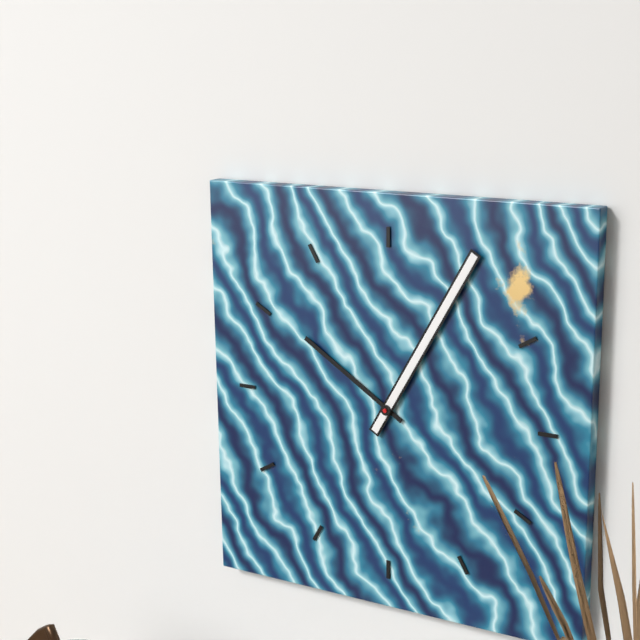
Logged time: h=10 m=5
